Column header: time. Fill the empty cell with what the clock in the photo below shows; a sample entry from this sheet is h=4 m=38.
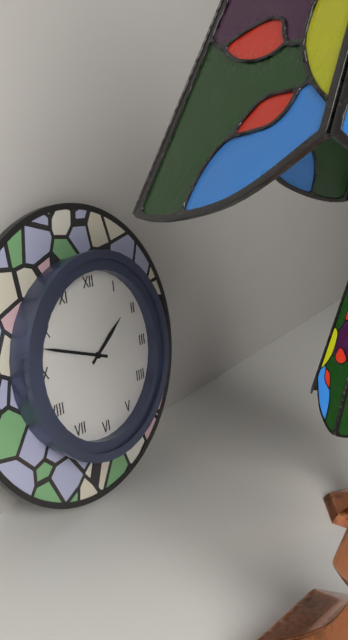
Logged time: h=1 m=48
